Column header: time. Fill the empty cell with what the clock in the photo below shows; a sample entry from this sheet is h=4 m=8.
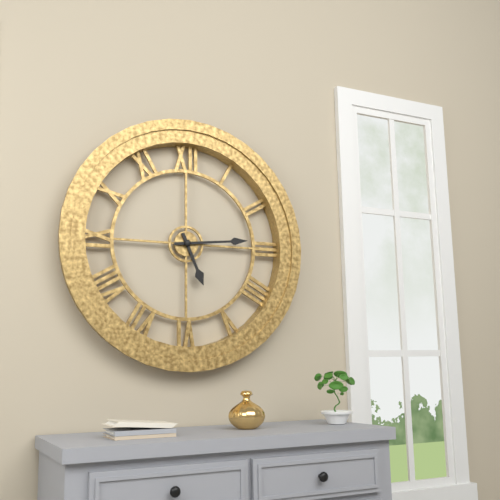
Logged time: h=5 m=14
